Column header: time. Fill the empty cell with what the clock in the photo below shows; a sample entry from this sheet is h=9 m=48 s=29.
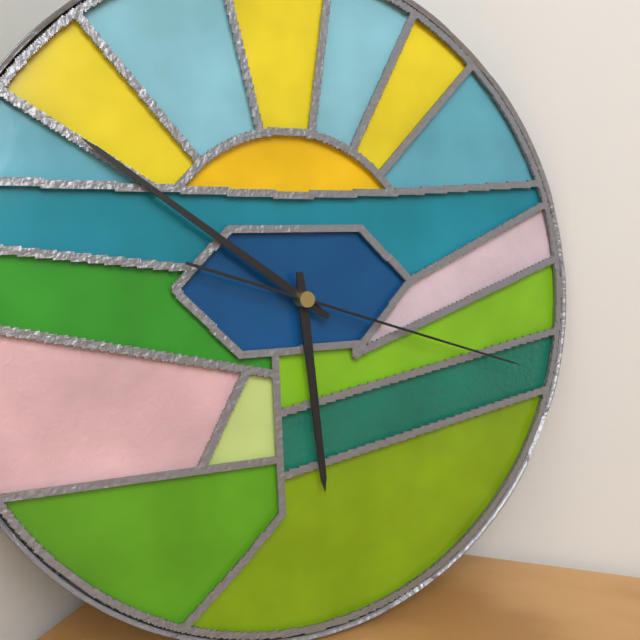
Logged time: h=5 m=51 s=18
